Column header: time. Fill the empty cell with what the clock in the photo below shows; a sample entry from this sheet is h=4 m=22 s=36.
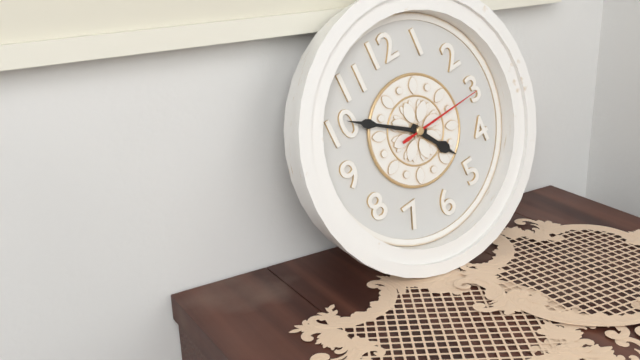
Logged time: h=4 m=51 s=15
